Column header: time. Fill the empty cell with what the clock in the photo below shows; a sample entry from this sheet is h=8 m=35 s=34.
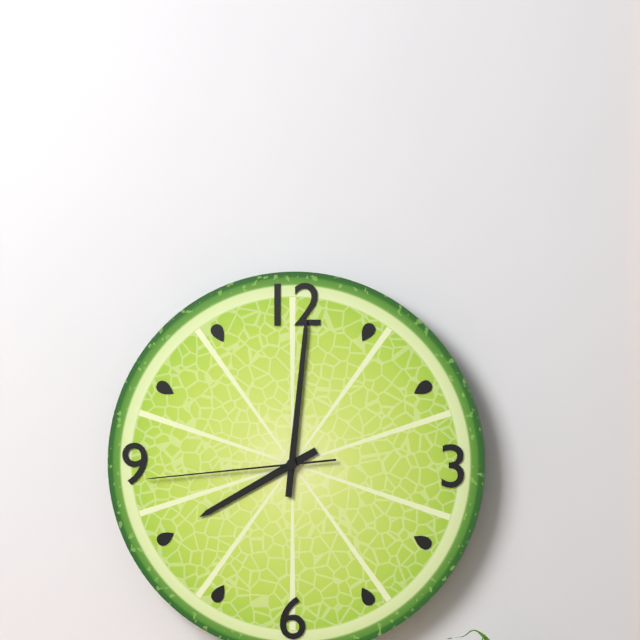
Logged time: h=8 m=1 s=44
